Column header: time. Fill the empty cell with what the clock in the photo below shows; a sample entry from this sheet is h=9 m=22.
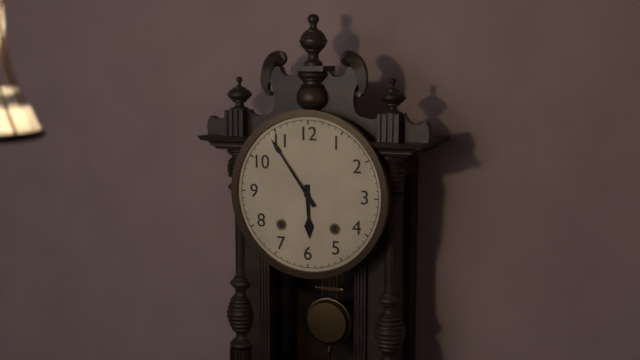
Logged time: h=5 m=54
